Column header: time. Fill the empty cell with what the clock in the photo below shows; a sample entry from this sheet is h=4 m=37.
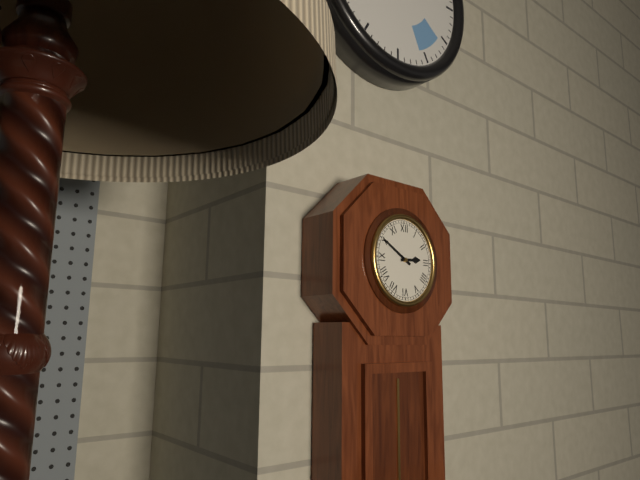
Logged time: h=2 m=50
